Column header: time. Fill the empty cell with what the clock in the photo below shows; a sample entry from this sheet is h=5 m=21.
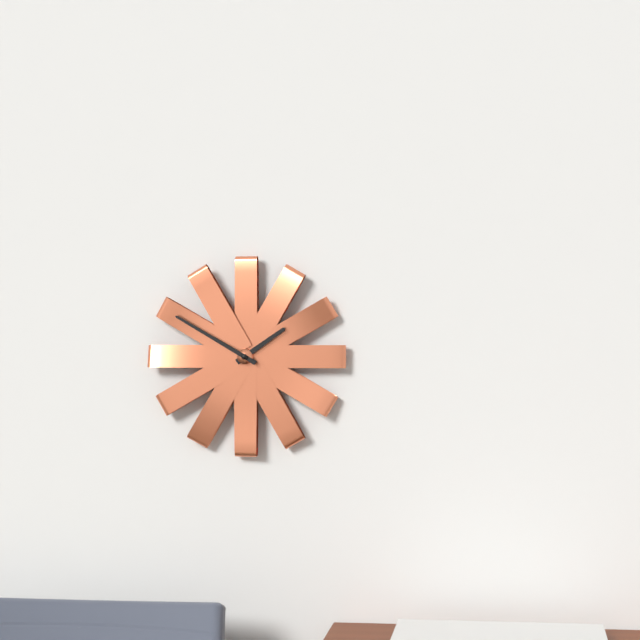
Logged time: h=1 m=50
